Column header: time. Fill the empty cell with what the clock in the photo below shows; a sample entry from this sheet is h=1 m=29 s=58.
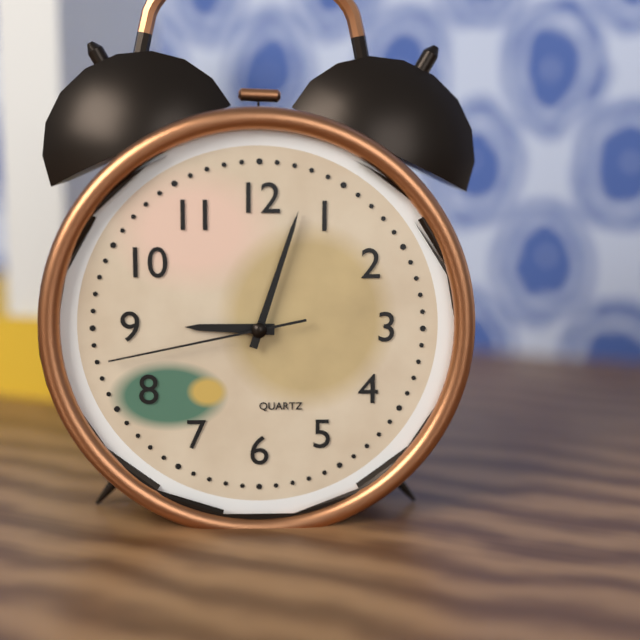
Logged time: h=9 m=3 s=43
